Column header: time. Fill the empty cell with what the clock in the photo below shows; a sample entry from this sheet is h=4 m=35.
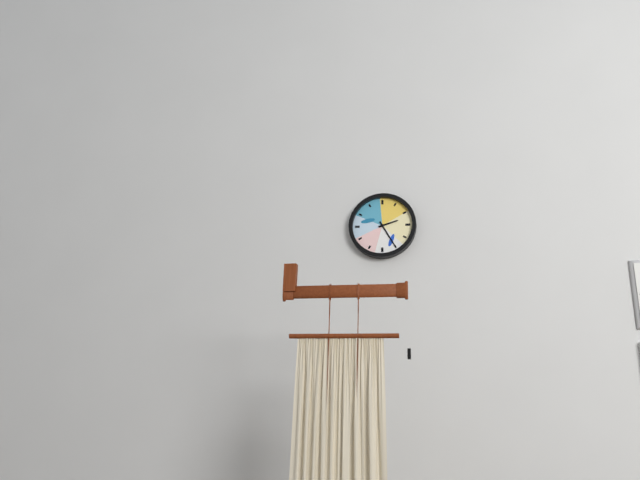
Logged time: h=2 m=25
